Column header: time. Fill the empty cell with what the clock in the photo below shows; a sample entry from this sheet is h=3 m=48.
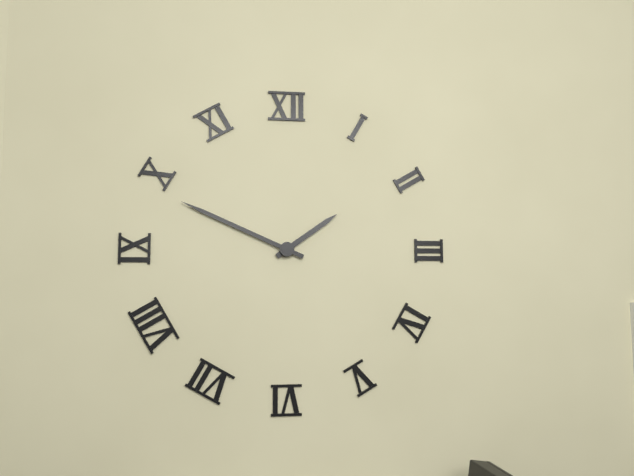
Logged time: h=1 m=49
